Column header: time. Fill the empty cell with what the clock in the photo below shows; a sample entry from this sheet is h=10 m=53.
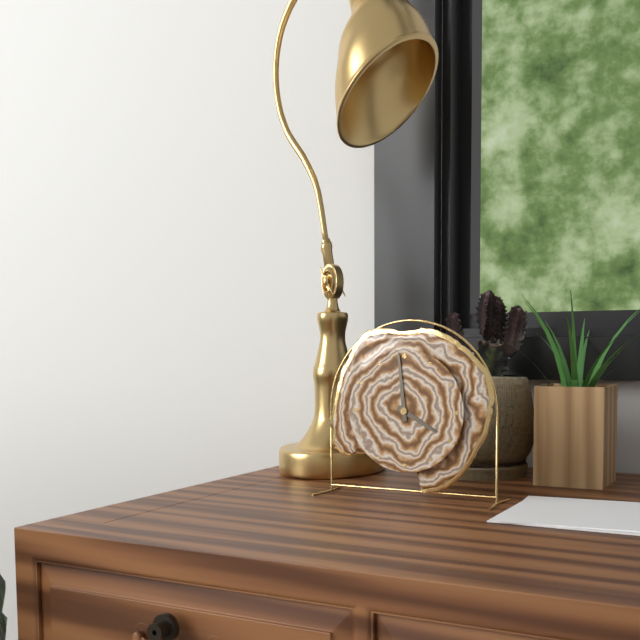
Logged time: h=3 m=59
